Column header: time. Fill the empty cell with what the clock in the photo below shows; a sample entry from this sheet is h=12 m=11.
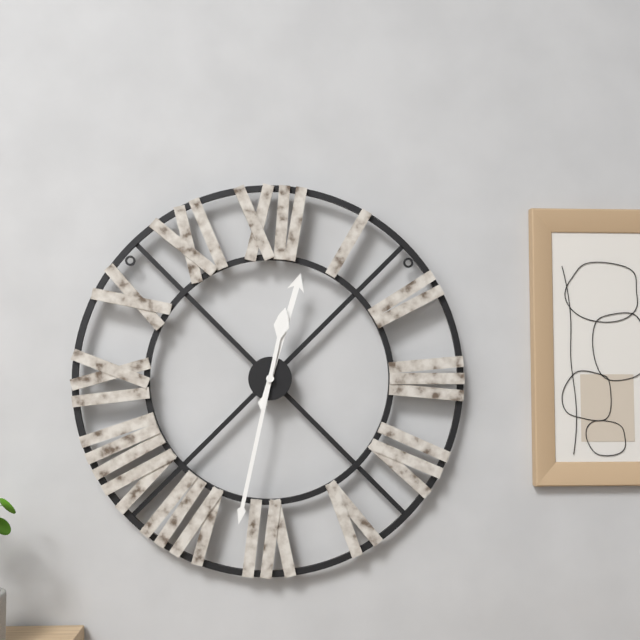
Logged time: h=12 m=32
